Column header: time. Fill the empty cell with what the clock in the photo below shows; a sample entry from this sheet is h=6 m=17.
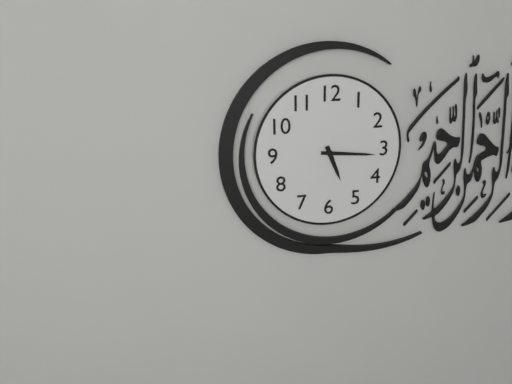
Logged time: h=5 m=16
